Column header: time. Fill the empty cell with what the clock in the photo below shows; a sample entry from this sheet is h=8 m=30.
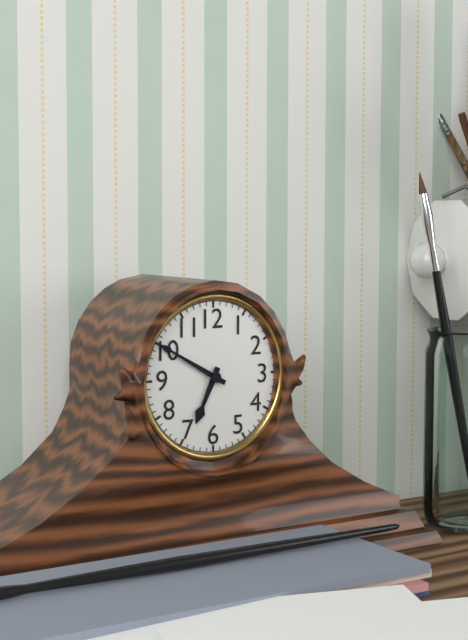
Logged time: h=6 m=50
